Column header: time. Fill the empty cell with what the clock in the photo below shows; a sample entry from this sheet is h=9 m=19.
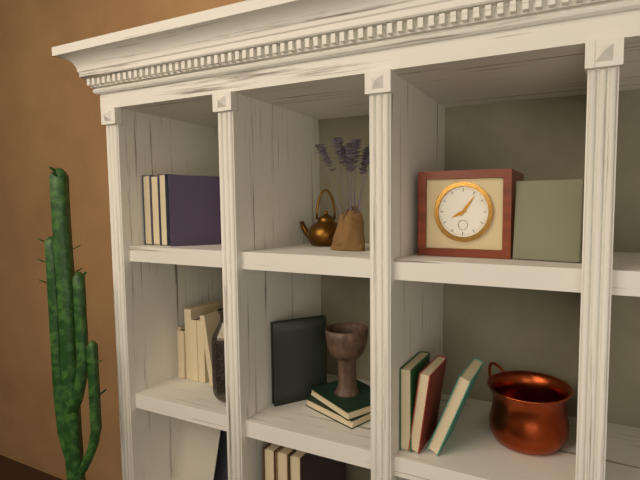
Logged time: h=8 m=6
